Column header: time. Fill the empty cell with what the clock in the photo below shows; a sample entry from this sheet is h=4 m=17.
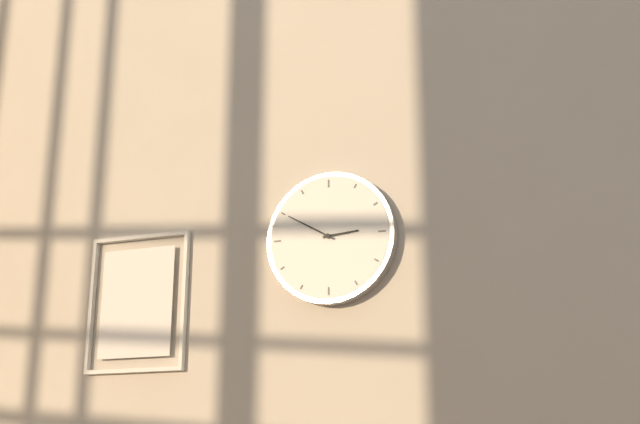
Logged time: h=2 m=50
